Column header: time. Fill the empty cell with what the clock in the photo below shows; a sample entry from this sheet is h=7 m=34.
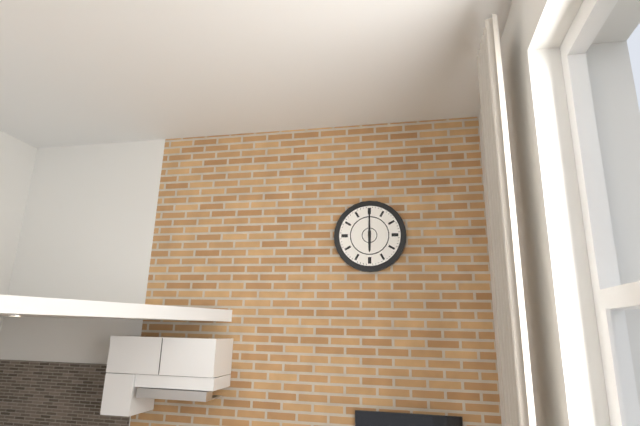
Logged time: h=6 m=0
